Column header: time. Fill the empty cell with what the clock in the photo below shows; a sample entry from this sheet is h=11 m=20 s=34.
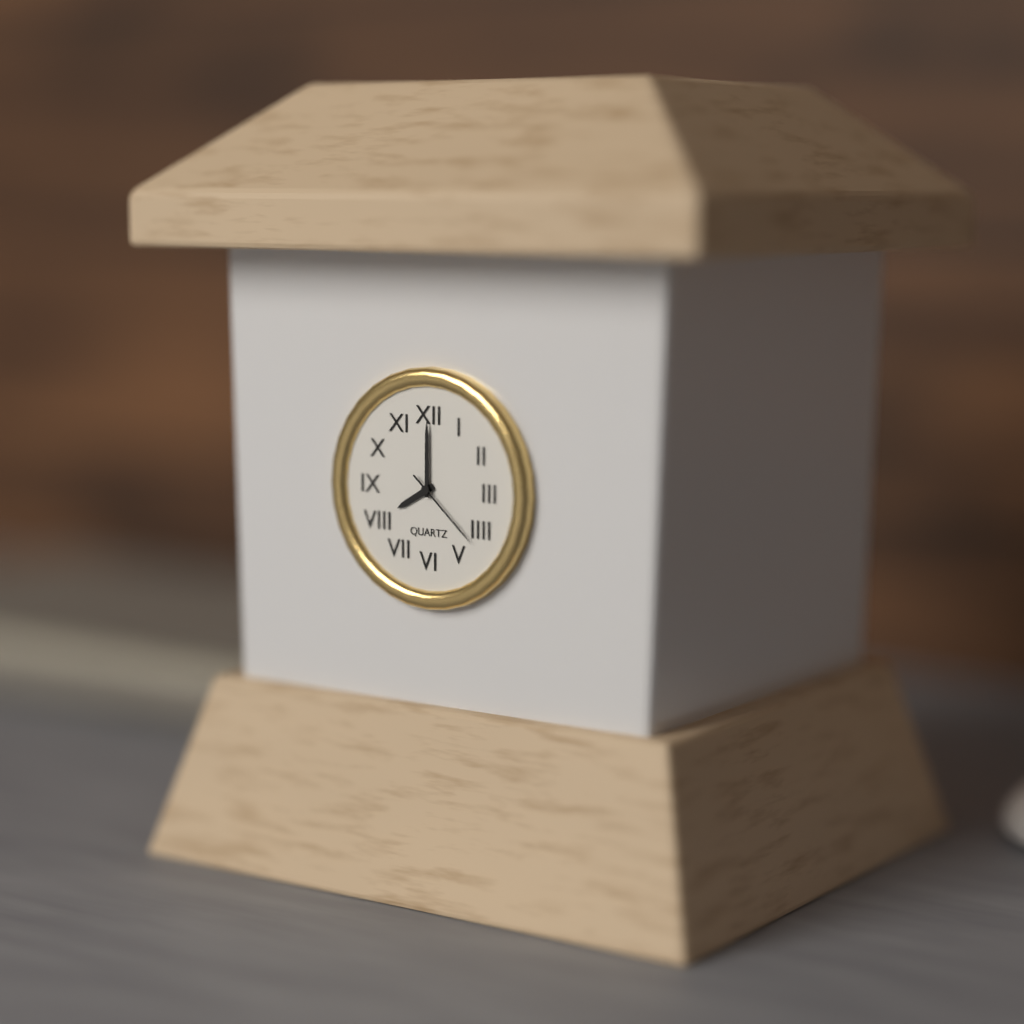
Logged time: h=8 m=0 s=22
